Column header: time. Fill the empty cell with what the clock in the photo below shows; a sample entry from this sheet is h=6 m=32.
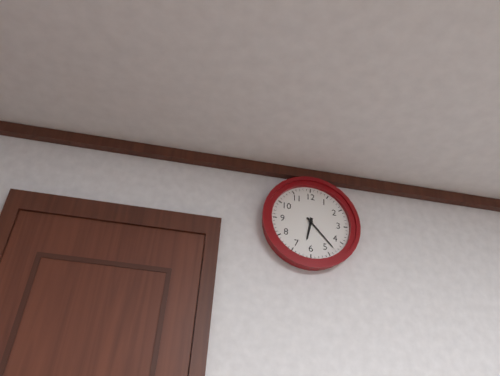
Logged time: h=6 m=23
